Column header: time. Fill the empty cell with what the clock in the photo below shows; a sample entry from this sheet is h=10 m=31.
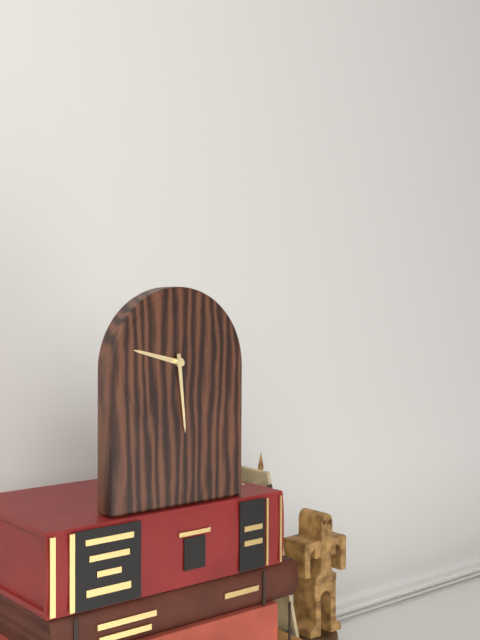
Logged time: h=9 m=29
